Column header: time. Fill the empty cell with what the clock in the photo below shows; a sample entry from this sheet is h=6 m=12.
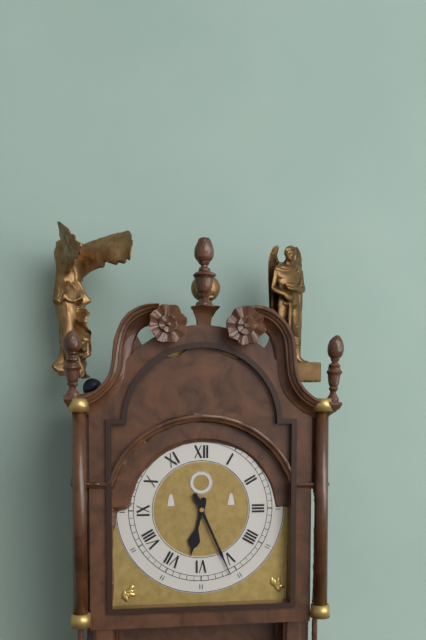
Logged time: h=6 m=26
